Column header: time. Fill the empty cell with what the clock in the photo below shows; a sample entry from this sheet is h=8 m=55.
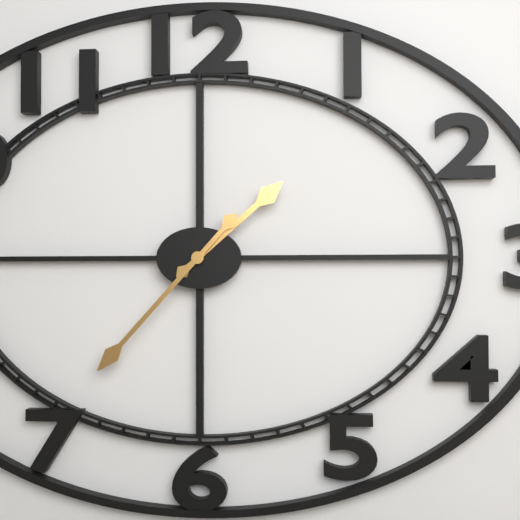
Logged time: h=1 m=37
